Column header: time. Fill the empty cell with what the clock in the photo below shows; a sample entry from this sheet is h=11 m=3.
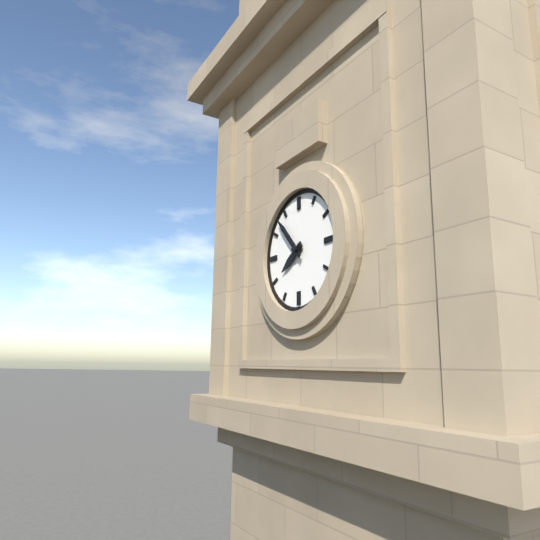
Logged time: h=7 m=53
